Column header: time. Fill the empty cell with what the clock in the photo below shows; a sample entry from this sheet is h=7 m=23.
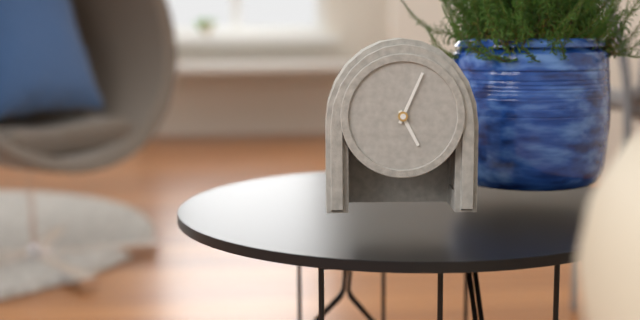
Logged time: h=5 m=4
